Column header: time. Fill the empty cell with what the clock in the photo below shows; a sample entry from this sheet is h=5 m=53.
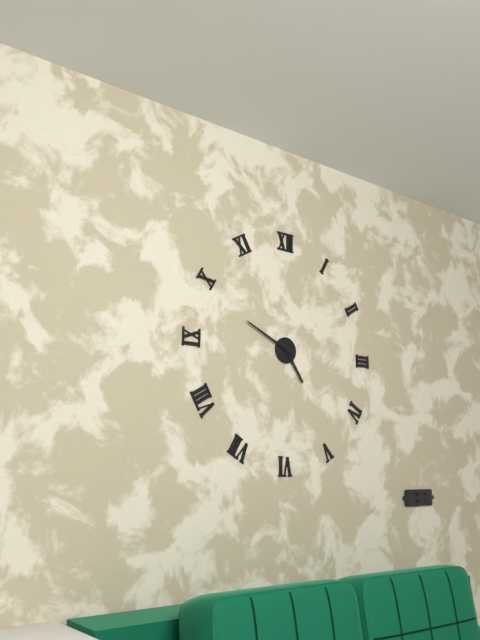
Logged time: h=4 m=49
